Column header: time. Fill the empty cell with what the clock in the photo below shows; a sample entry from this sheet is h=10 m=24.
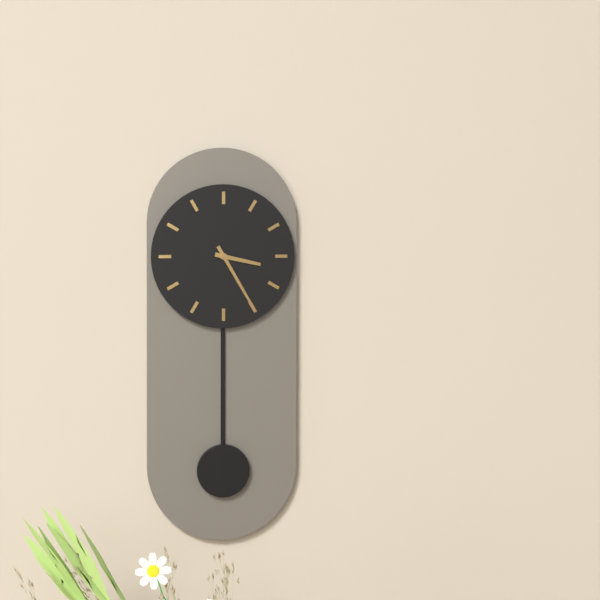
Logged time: h=3 m=25
